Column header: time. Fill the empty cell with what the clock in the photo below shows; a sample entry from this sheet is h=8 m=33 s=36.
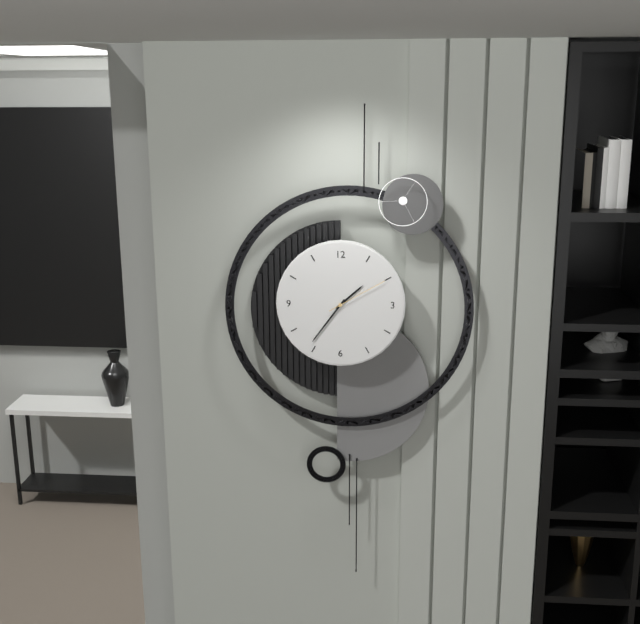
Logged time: h=1 m=36 s=10
